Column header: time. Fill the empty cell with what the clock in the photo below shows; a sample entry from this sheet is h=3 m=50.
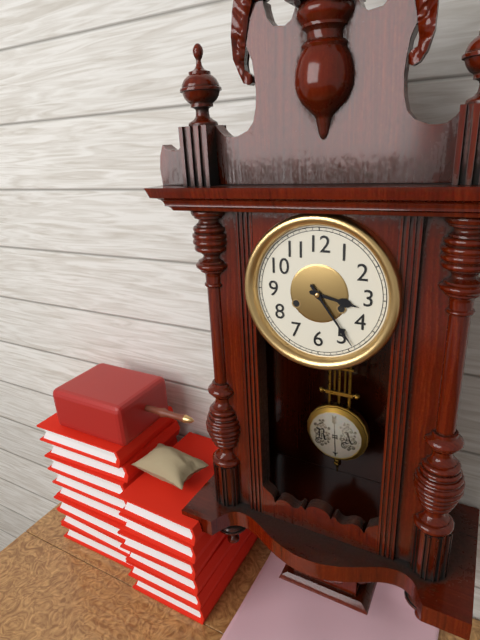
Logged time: h=3 m=24
